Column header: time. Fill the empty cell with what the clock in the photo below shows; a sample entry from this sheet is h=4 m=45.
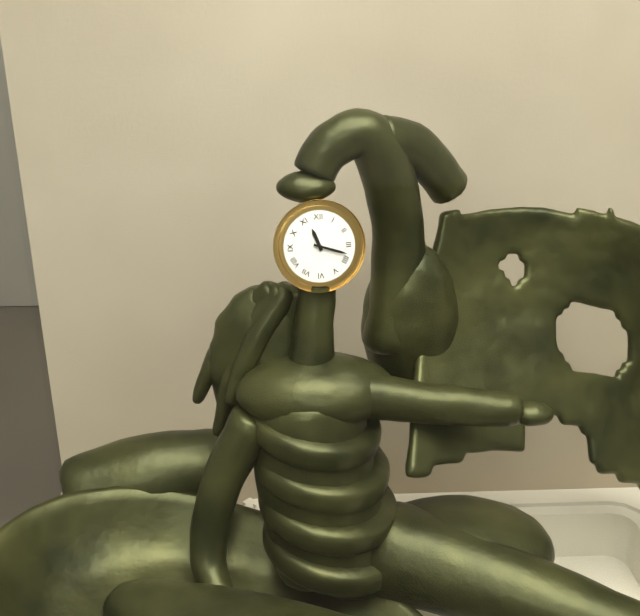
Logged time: h=11 m=18
